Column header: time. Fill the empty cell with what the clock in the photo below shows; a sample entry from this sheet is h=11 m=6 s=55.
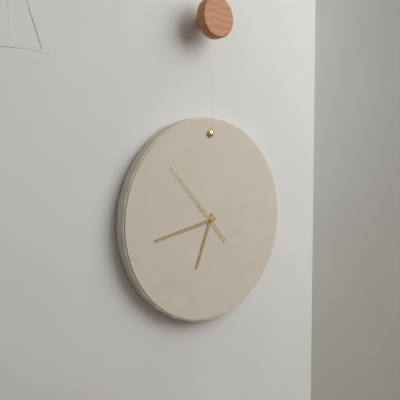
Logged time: h=6 m=43 s=53
